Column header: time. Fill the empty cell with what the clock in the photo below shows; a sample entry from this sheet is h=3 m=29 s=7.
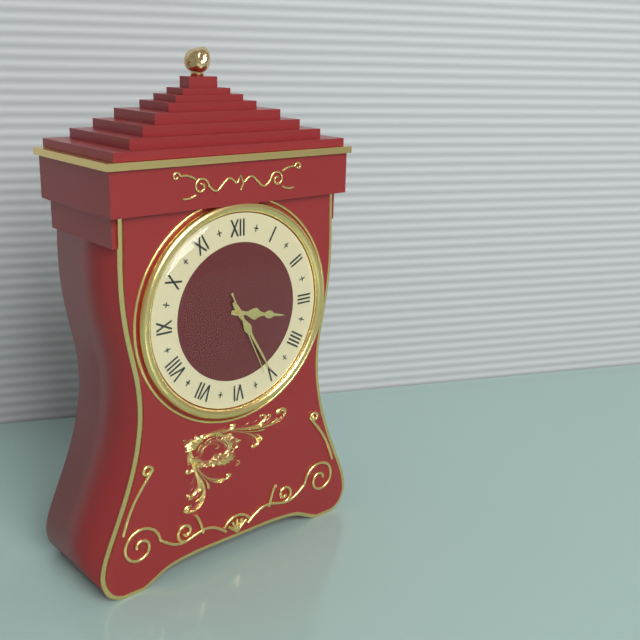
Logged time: h=3 m=25 s=26
